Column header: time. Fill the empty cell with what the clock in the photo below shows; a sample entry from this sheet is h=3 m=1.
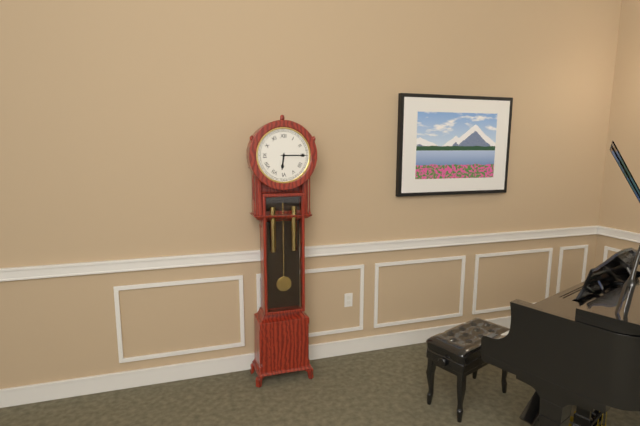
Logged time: h=6 m=15
